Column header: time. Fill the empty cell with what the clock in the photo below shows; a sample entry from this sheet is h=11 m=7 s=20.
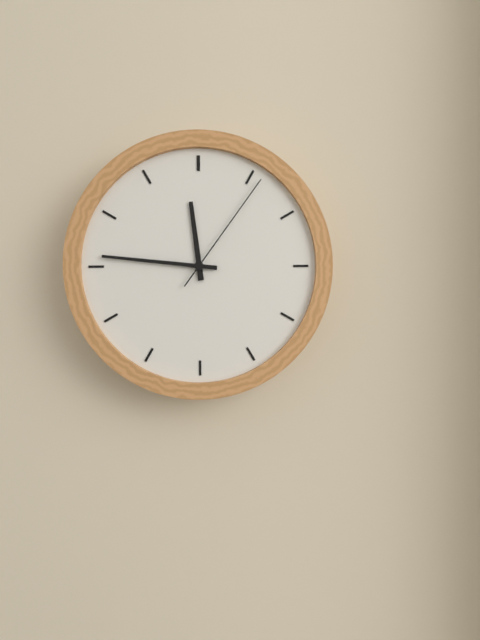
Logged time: h=11 m=46 s=6
